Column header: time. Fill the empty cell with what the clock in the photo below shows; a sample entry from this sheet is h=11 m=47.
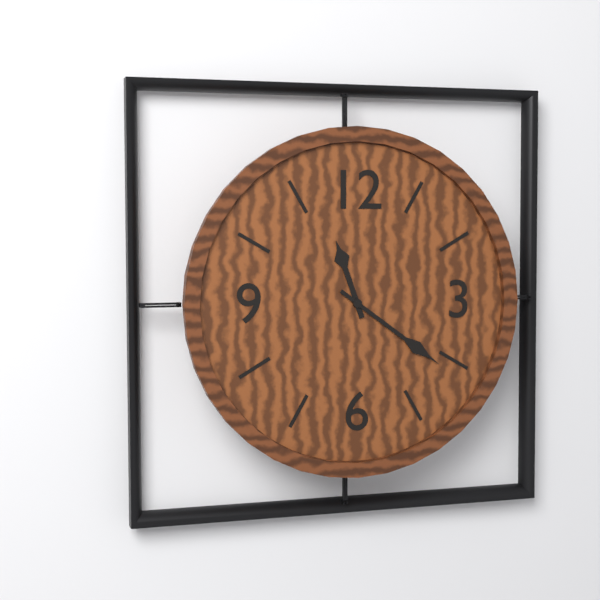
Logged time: h=11 m=21
